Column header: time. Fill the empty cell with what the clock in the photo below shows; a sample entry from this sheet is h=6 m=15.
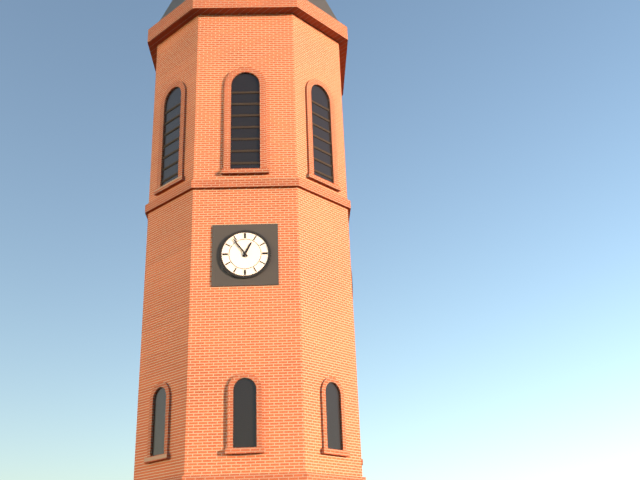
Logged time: h=12 m=54
